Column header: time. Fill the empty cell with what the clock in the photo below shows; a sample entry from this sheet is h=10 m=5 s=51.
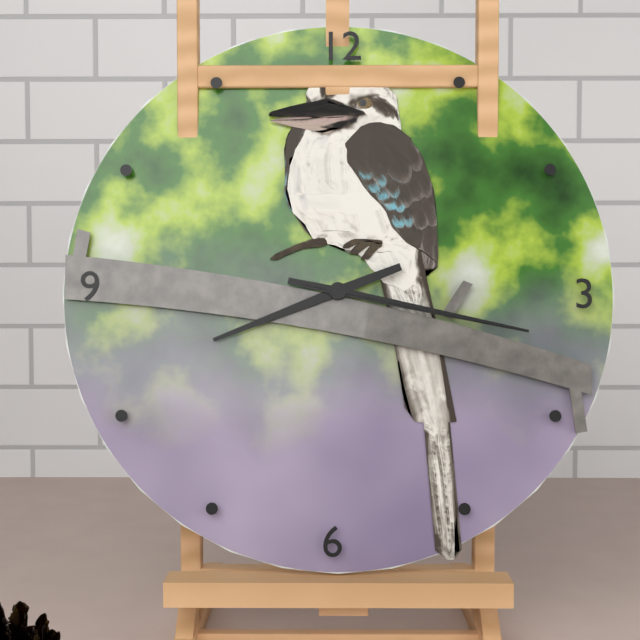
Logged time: h=8 m=17 s=17
